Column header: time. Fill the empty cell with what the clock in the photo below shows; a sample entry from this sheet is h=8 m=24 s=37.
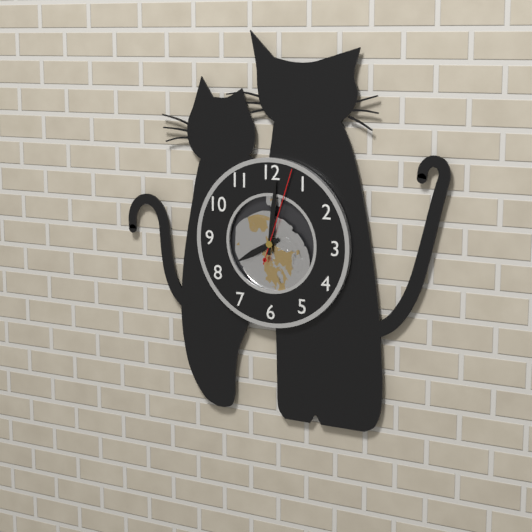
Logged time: h=8 m=1 s=3
